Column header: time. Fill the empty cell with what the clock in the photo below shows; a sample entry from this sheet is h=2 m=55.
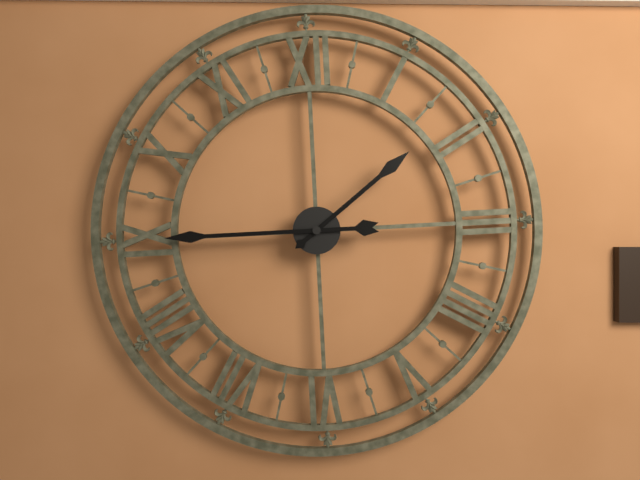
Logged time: h=1 m=45
